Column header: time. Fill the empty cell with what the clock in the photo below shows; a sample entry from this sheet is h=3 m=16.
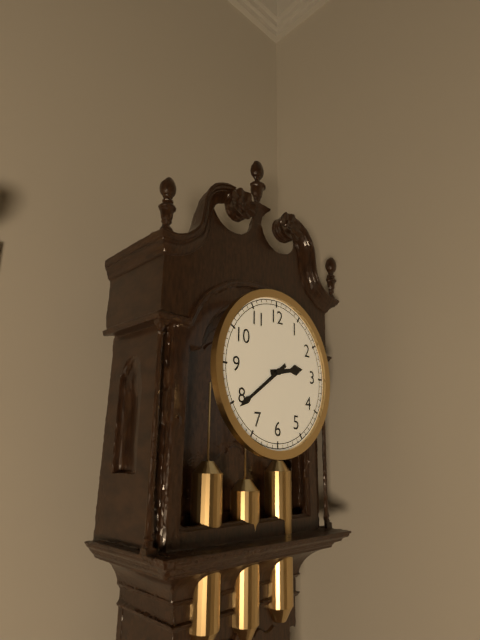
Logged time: h=2 m=39
